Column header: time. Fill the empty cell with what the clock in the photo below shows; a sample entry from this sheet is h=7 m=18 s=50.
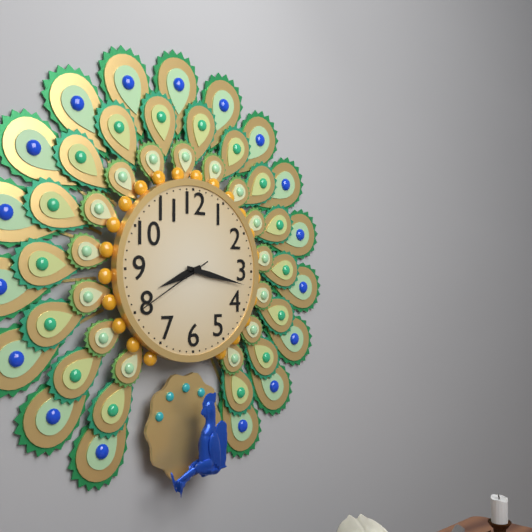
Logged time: h=8 m=17 s=40
